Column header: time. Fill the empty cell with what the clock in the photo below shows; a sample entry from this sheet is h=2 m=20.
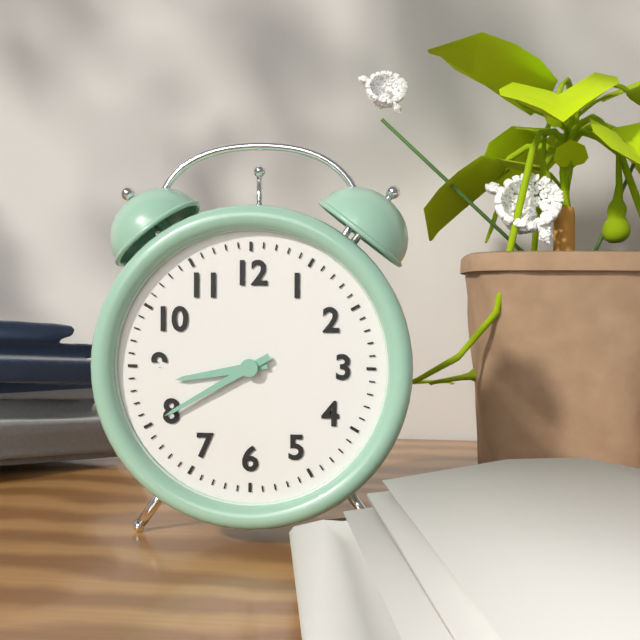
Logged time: h=8 m=40
